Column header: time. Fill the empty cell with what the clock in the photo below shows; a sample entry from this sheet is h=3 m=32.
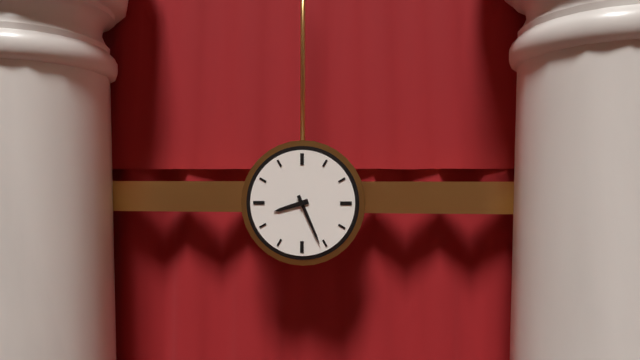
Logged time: h=8 m=26
